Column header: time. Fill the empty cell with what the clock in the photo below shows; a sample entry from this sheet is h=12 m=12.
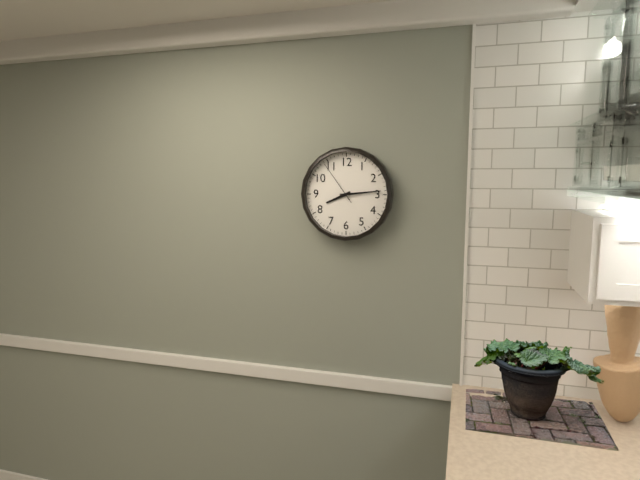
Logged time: h=8 m=14
